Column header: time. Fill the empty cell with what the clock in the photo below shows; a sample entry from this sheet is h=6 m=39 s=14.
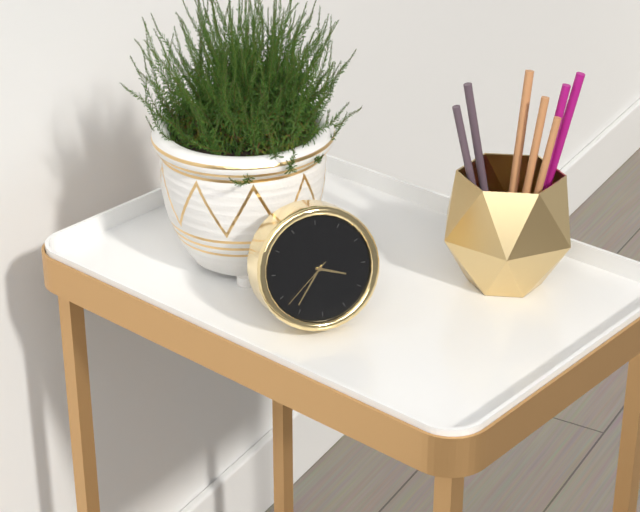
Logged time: h=3 m=36 s=38
